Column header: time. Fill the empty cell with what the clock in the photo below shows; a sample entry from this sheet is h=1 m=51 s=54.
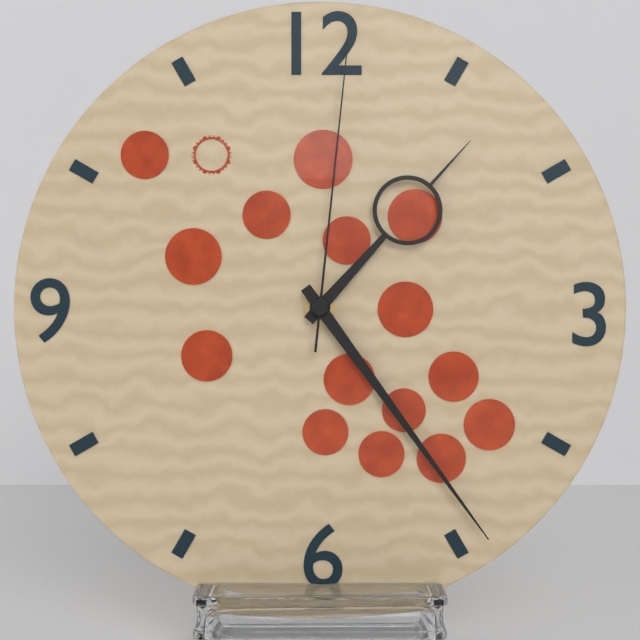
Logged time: h=1 m=24 s=1
